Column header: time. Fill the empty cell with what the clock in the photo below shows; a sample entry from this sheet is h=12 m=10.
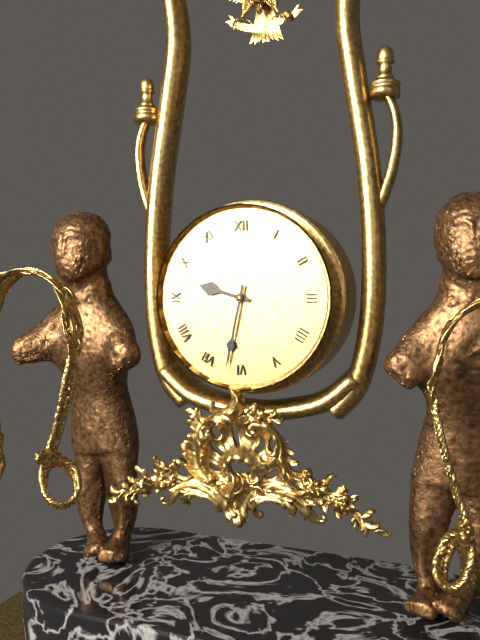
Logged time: h=9 m=32
